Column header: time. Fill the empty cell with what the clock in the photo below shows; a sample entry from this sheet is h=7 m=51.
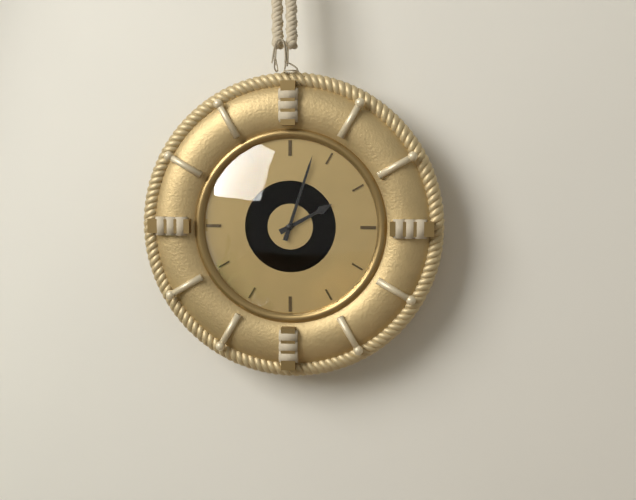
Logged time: h=2 m=3
